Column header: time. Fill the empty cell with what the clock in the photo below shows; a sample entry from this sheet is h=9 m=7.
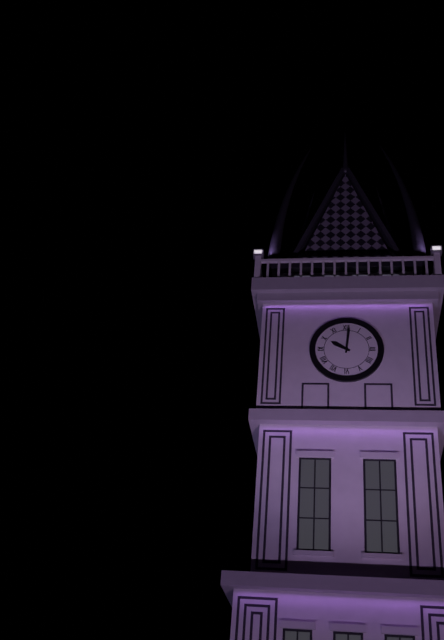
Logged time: h=10 m=1
